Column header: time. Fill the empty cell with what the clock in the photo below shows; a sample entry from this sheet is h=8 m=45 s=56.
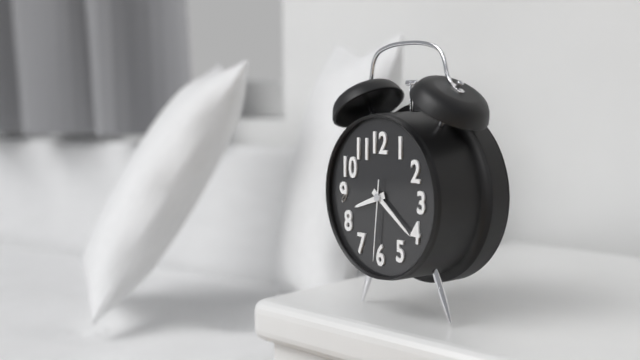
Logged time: h=8 m=21 s=31
